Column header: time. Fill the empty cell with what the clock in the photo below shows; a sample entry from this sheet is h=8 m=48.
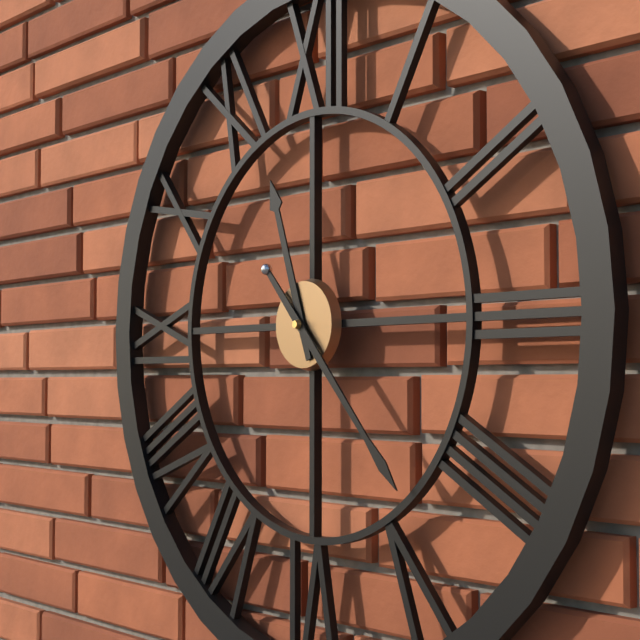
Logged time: h=11 m=23
